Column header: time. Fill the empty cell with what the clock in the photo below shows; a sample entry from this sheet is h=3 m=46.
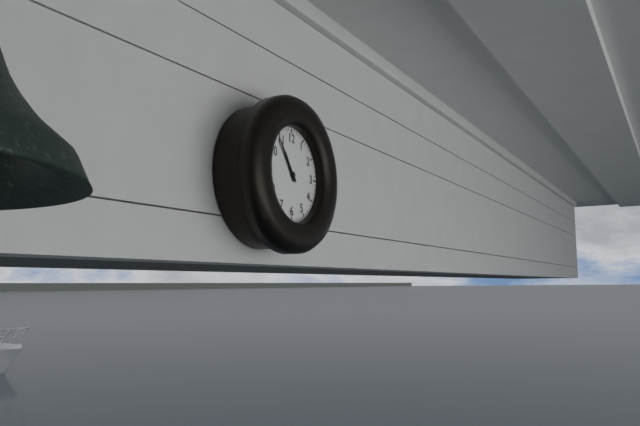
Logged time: h=10 m=54
